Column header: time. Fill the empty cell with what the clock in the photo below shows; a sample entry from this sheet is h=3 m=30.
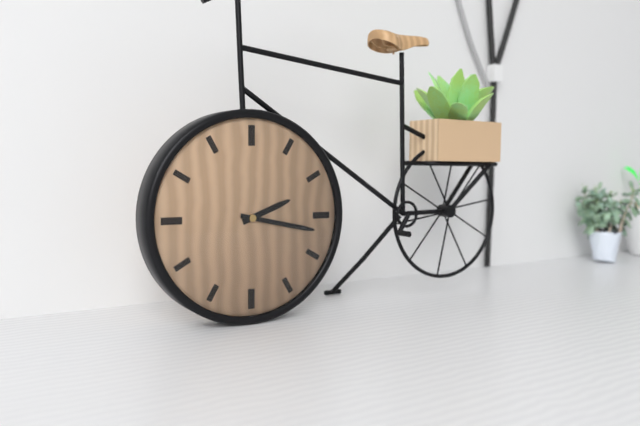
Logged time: h=2 m=17
